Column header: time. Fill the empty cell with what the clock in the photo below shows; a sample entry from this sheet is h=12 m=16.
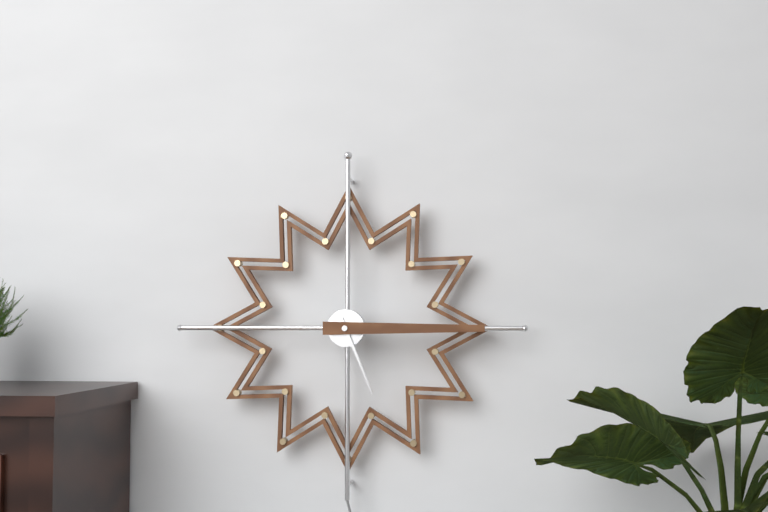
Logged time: h=5 m=15
